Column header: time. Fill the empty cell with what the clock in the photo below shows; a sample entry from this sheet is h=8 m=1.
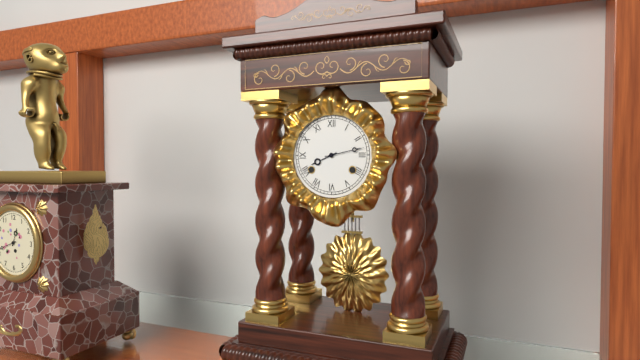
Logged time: h=8 m=13
